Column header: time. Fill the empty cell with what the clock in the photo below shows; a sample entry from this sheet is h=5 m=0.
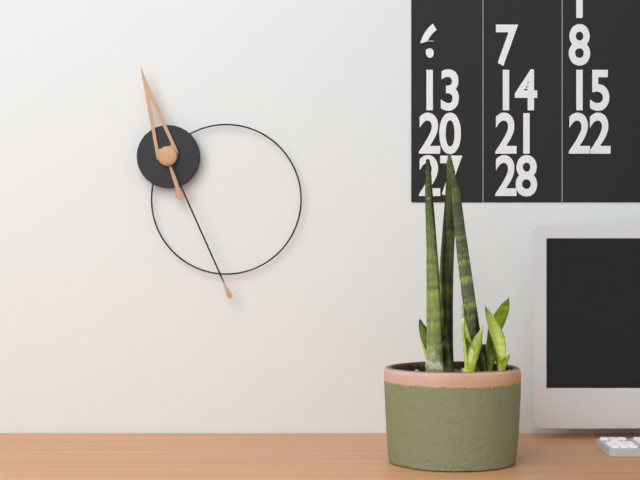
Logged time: h=11 m=26
